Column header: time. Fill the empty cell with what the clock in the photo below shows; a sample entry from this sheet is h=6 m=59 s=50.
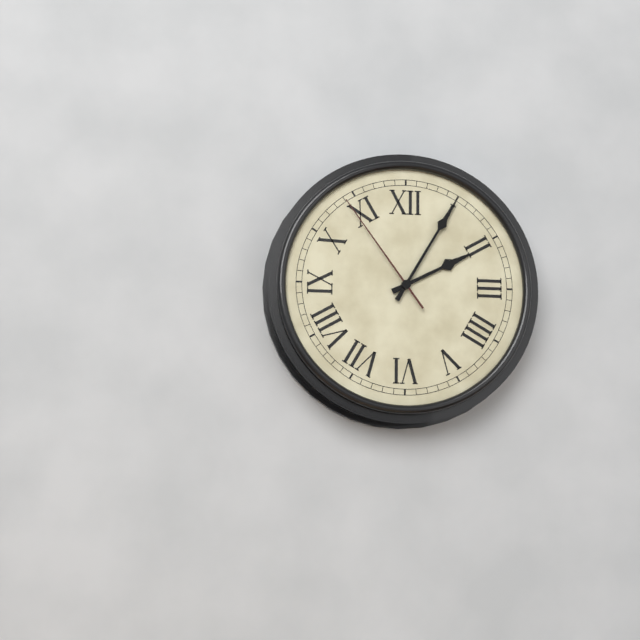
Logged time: h=2 m=5 s=54
